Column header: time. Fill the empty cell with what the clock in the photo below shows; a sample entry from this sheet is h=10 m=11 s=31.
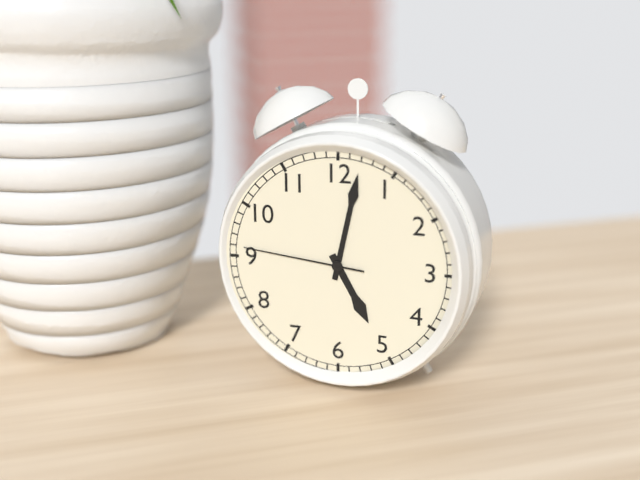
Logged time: h=5 m=2 s=46
